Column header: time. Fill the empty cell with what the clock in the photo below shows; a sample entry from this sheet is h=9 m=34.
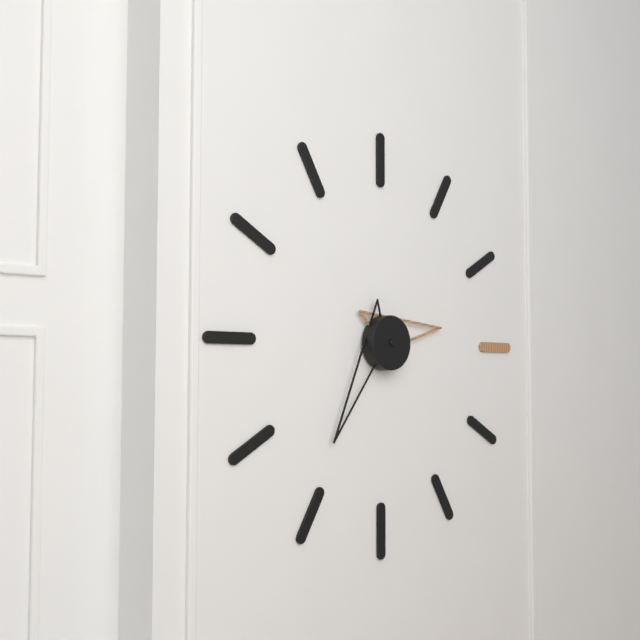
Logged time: h=2 m=36
